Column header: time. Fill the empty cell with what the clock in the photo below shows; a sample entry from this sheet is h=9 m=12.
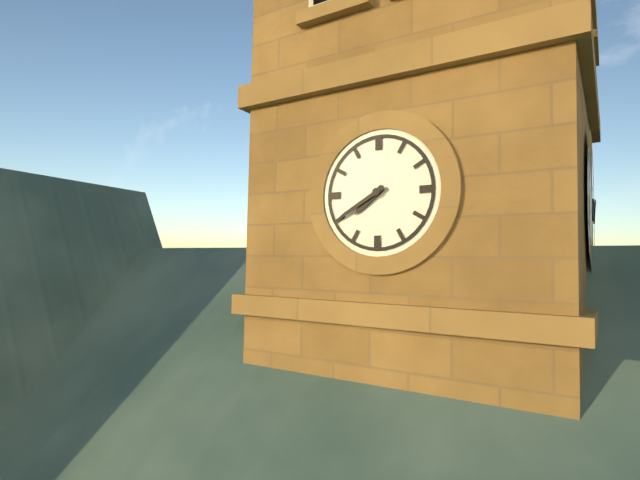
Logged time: h=7 m=40
